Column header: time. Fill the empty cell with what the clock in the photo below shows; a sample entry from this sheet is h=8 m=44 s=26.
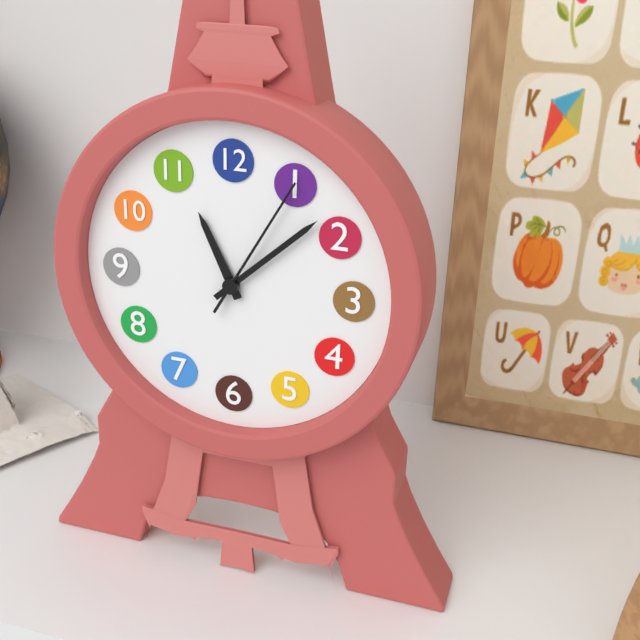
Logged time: h=11 m=8 s=5
